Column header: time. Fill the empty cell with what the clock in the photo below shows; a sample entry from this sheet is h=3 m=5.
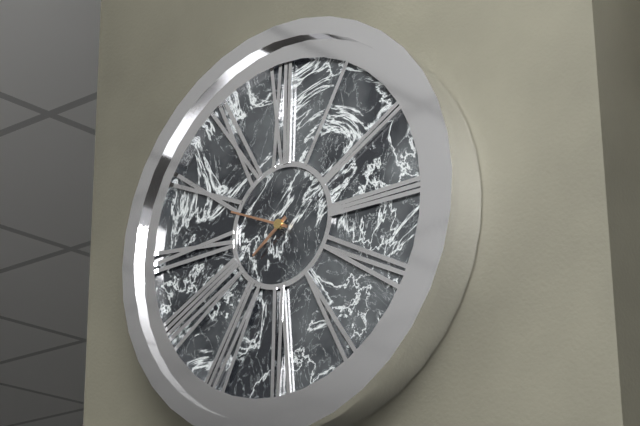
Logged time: h=7 m=49
